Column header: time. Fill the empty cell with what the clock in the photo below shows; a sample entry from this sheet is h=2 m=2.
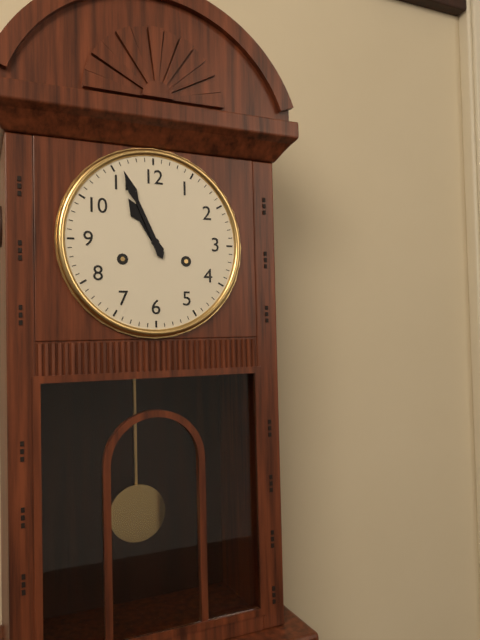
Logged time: h=10 m=56
